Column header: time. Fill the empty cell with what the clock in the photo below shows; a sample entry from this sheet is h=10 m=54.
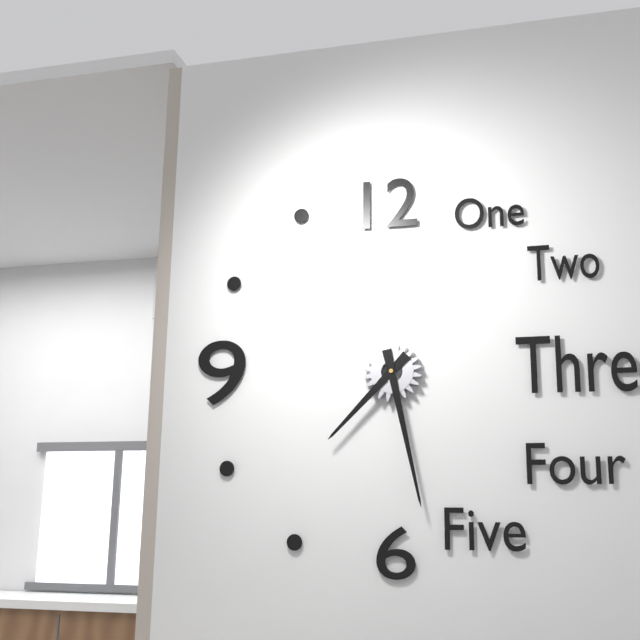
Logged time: h=7 m=28
